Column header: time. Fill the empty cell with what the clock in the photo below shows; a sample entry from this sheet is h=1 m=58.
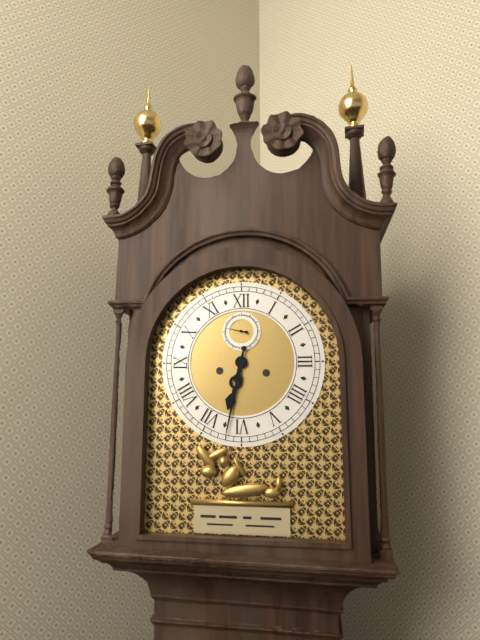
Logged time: h=6 m=32
